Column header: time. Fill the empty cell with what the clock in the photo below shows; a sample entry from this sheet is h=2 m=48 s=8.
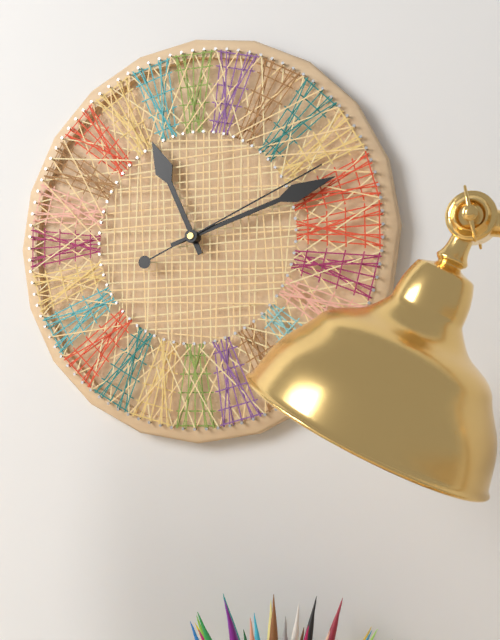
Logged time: h=11 m=12 s=11
